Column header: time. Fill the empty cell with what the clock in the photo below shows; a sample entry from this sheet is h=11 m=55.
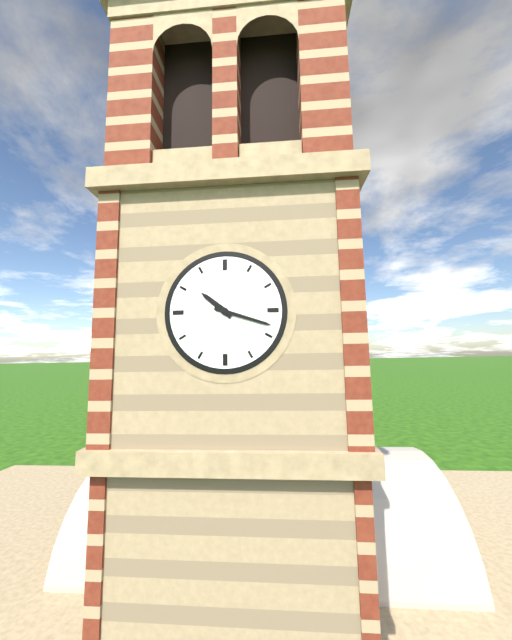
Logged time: h=10 m=18
